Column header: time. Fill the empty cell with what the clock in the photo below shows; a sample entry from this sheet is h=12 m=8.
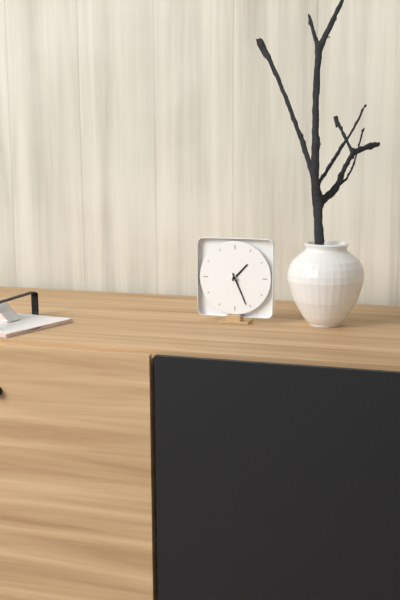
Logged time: h=1 m=26
